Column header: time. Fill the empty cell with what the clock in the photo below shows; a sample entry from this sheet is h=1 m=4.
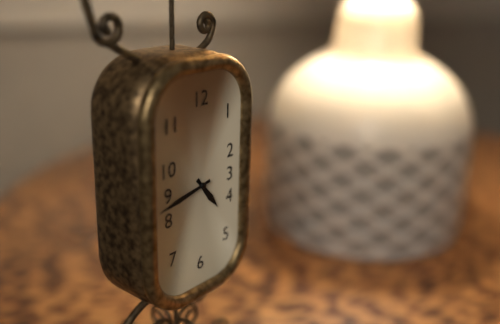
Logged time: h=4 m=43
